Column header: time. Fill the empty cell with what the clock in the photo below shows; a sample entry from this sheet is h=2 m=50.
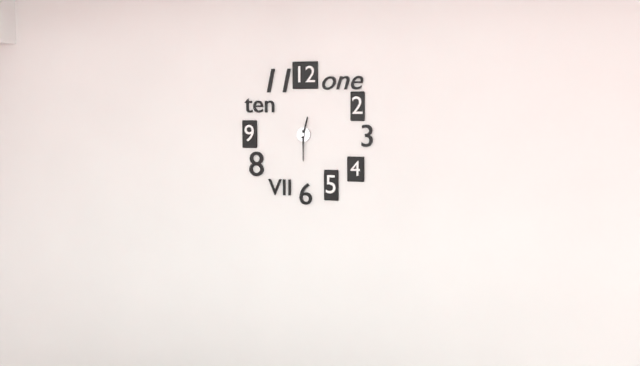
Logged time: h=12 m=30
